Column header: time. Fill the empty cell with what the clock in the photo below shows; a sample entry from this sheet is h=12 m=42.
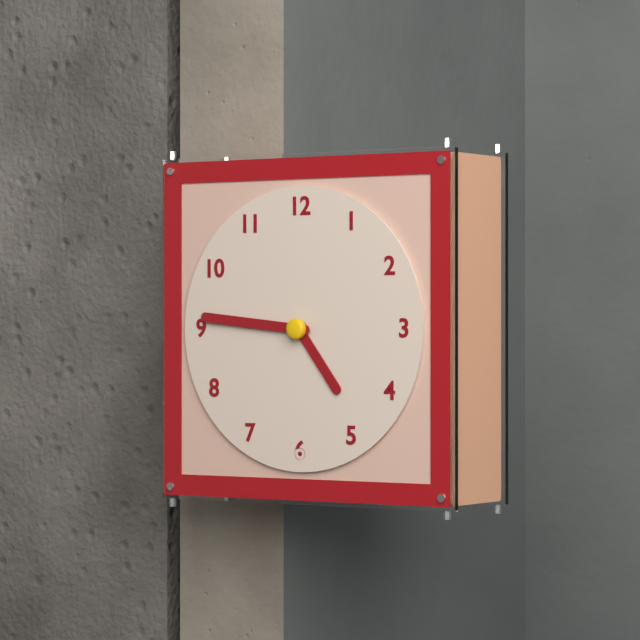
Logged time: h=4 m=46
